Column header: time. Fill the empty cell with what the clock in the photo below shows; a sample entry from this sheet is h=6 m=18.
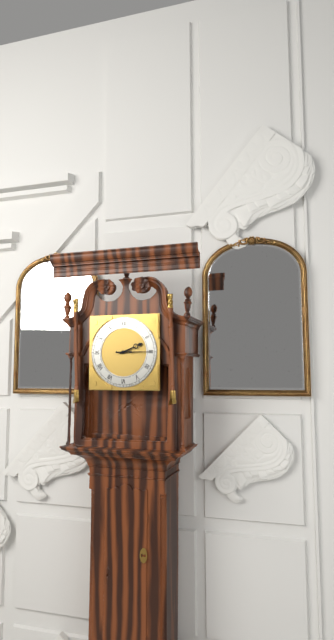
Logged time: h=2 m=15
